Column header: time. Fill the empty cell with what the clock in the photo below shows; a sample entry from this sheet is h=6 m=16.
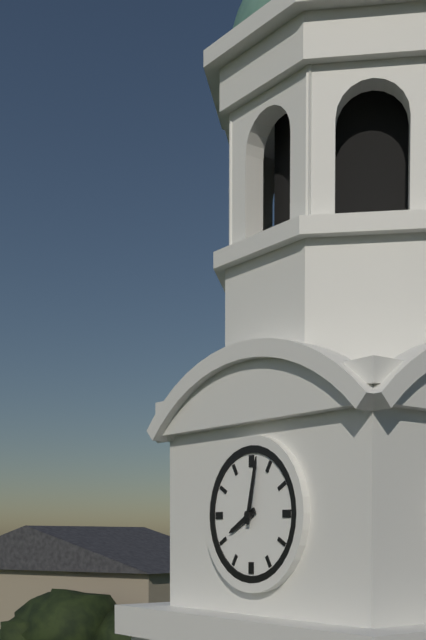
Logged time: h=8 m=2
